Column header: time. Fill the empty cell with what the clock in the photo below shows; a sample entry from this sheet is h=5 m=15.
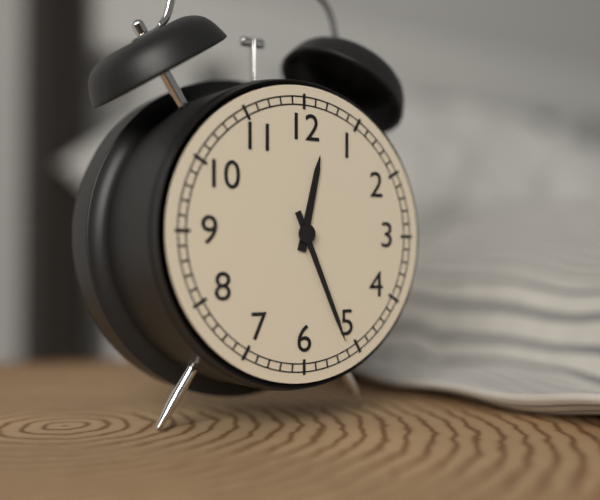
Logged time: h=12 m=26
